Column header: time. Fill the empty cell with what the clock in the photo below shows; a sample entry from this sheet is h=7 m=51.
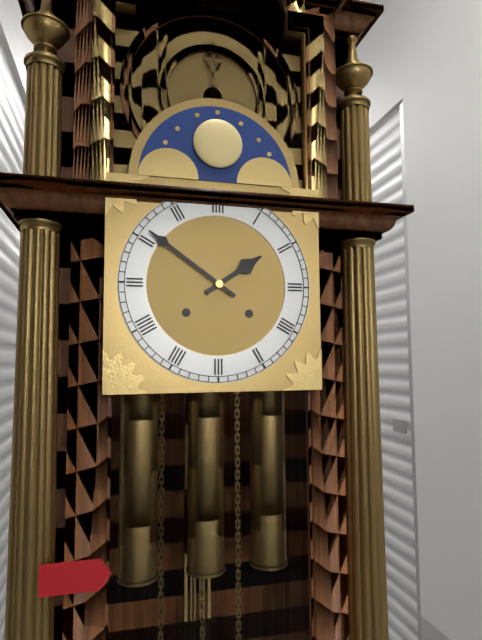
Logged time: h=1 m=51
